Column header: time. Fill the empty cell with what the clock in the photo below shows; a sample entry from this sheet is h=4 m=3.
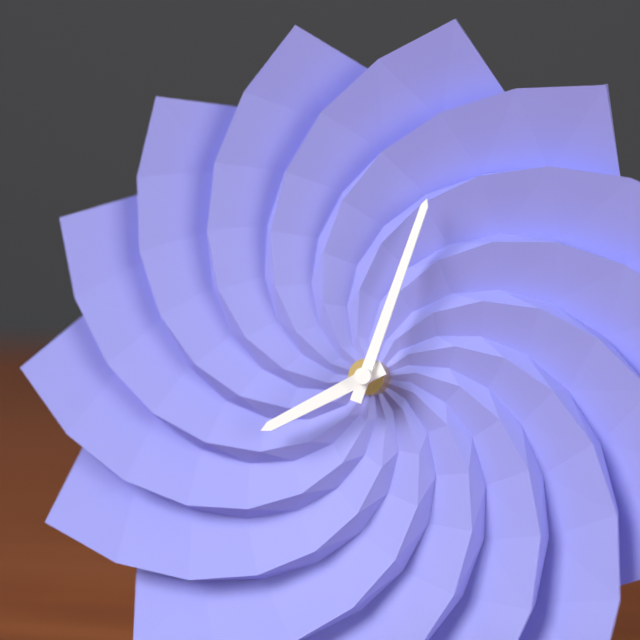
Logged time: h=8 m=3
